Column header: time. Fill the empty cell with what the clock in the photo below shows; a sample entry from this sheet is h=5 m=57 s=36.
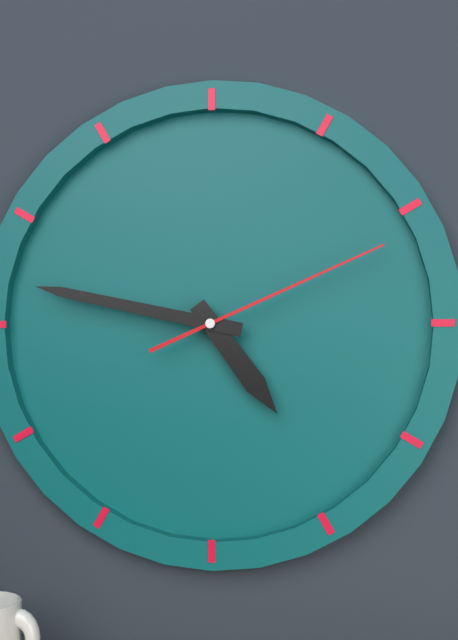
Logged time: h=4 m=47 s=11
